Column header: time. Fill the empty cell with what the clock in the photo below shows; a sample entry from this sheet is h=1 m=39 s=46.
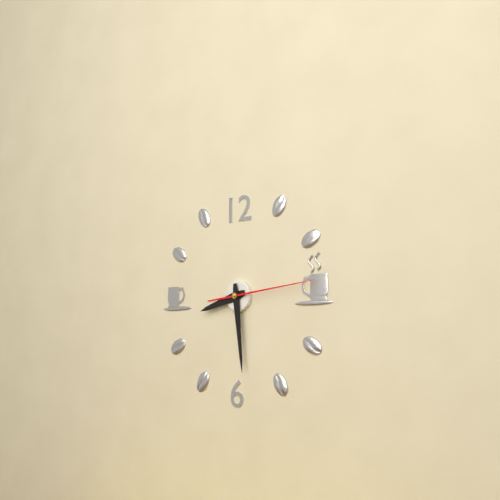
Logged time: h=8 m=29 s=14
